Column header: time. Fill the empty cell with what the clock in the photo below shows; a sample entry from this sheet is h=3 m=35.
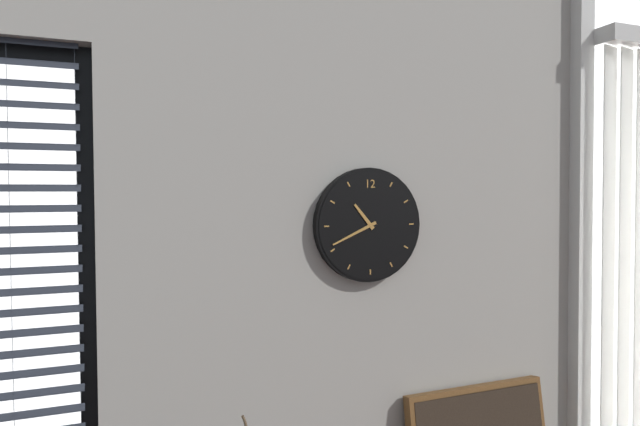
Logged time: h=10 m=41
